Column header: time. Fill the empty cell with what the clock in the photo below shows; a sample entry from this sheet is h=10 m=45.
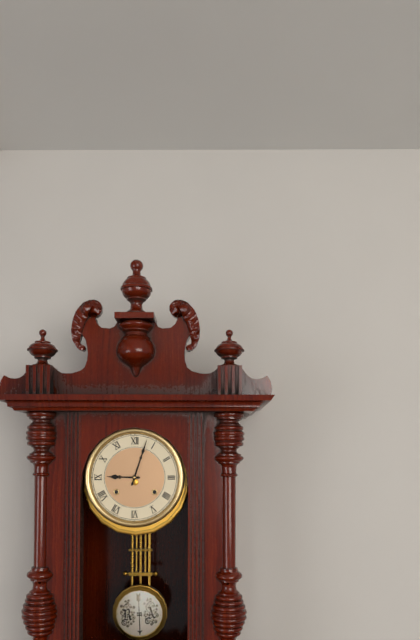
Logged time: h=9 m=3
